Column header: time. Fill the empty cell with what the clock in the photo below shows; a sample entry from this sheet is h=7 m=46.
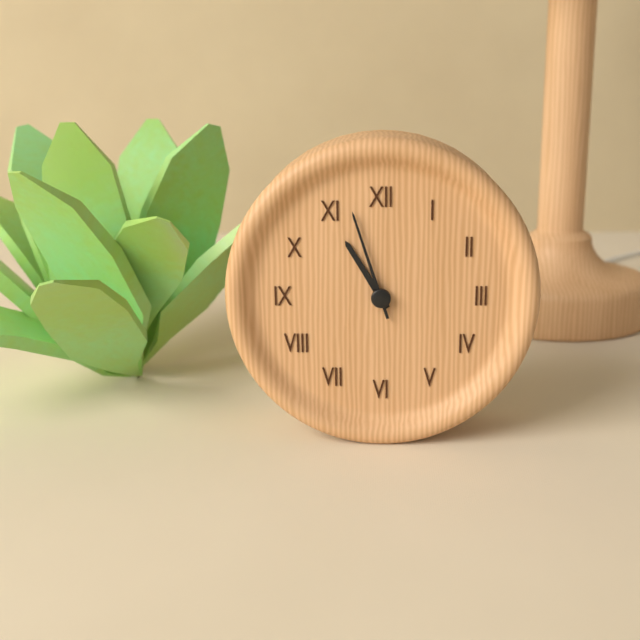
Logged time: h=10 m=57
